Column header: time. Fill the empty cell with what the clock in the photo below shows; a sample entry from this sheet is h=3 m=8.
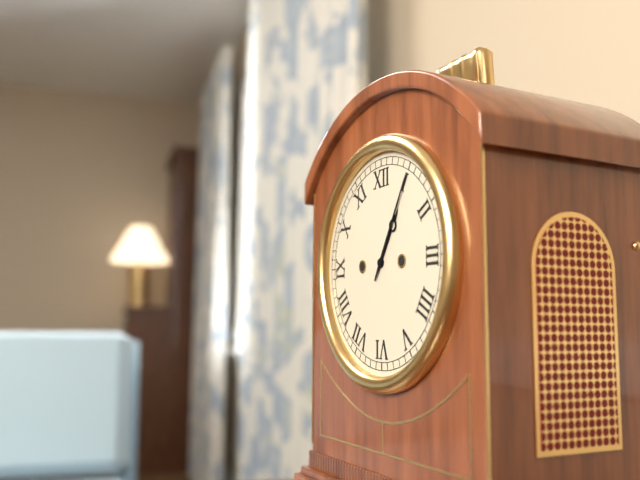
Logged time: h=1 m=5
